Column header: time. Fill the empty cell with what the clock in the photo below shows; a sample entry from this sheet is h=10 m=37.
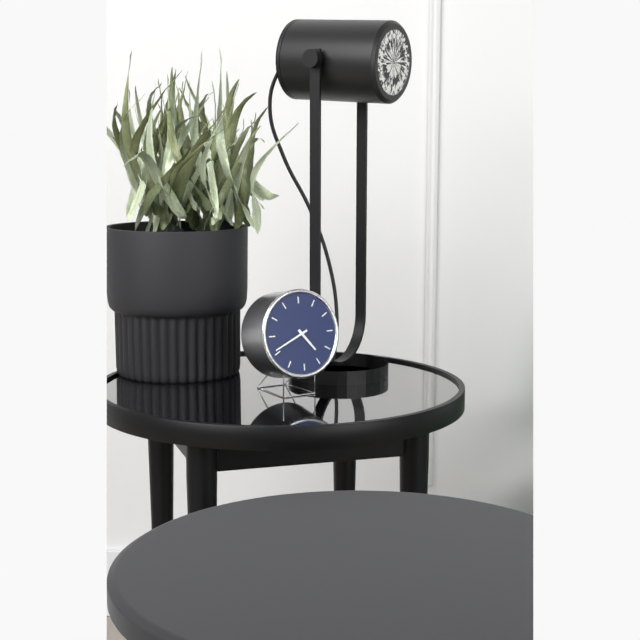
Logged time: h=4 m=41
